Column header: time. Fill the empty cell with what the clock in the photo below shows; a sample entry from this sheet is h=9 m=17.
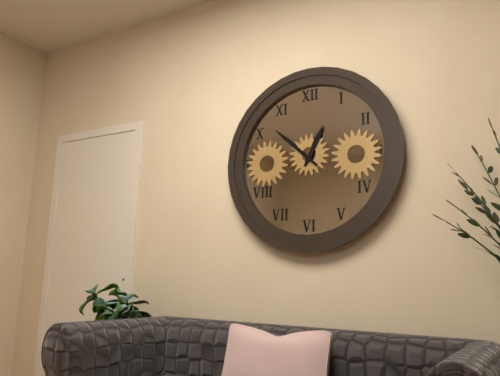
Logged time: h=12 m=52
